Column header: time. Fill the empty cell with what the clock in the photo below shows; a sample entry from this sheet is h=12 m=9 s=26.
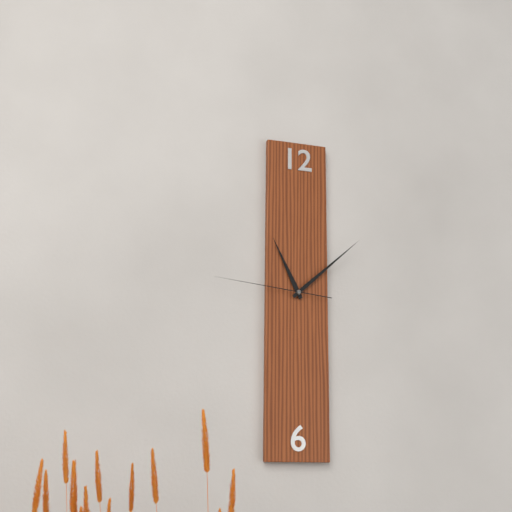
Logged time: h=11 m=8 s=46
